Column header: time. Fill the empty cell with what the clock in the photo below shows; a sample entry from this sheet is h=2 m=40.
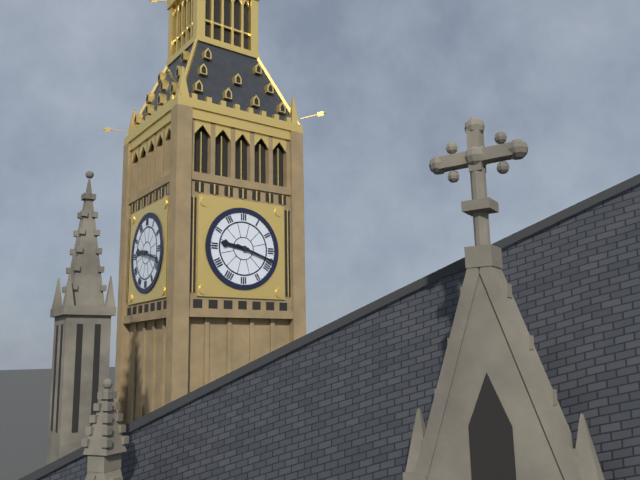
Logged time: h=9 m=18
